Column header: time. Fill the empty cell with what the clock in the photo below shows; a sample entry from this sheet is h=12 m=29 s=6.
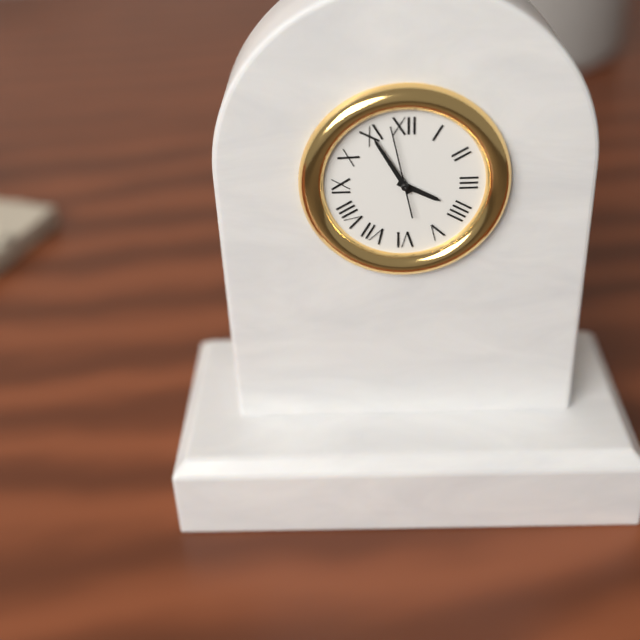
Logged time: h=3 m=55 s=58
